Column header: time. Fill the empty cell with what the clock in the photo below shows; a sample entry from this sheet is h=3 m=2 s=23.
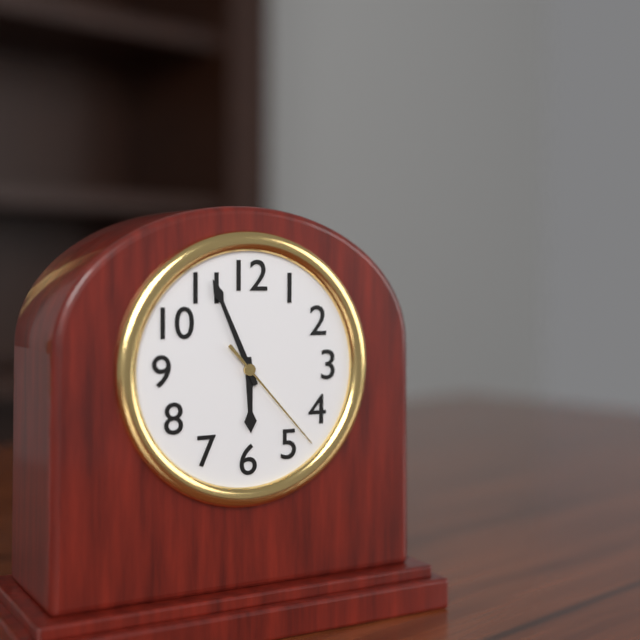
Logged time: h=5 m=56 s=23
